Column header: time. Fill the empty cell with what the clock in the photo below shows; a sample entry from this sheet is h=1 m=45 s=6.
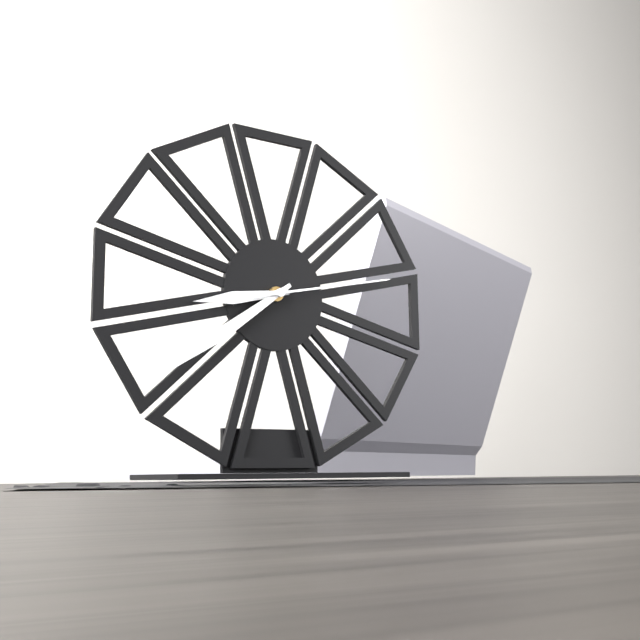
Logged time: h=8 m=39 s=13
